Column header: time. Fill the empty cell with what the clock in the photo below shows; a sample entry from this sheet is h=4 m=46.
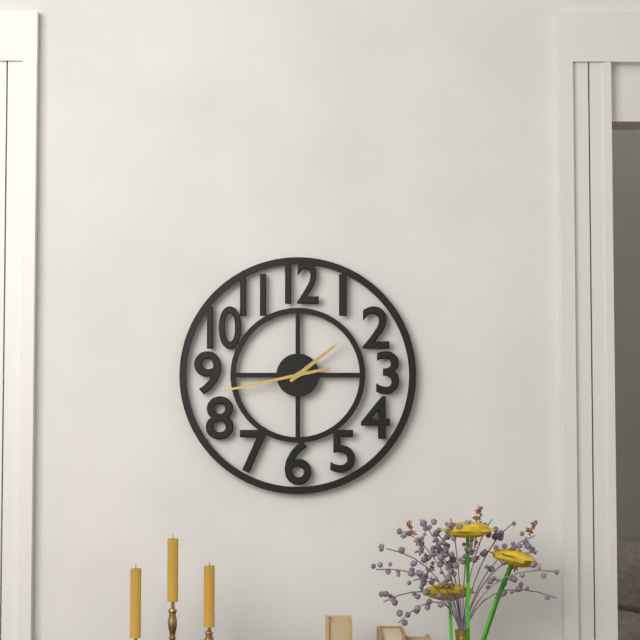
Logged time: h=1 m=43
